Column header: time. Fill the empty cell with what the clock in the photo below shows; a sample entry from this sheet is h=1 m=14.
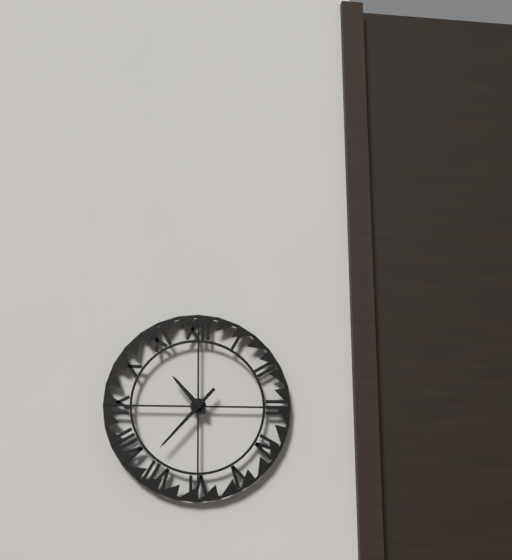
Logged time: h=10 m=37
